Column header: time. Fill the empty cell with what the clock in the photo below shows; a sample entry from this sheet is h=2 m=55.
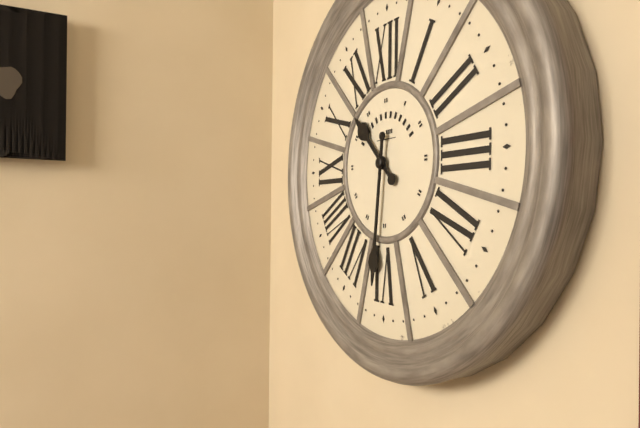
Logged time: h=10 m=31
